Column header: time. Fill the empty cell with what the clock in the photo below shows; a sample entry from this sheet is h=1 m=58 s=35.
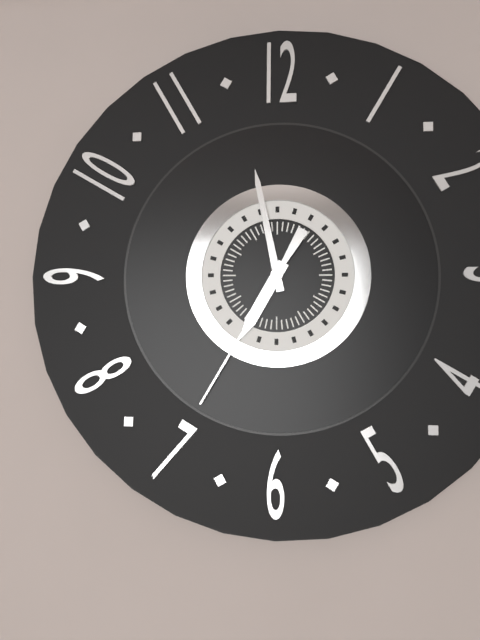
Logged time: h=6 m=58 s=35
